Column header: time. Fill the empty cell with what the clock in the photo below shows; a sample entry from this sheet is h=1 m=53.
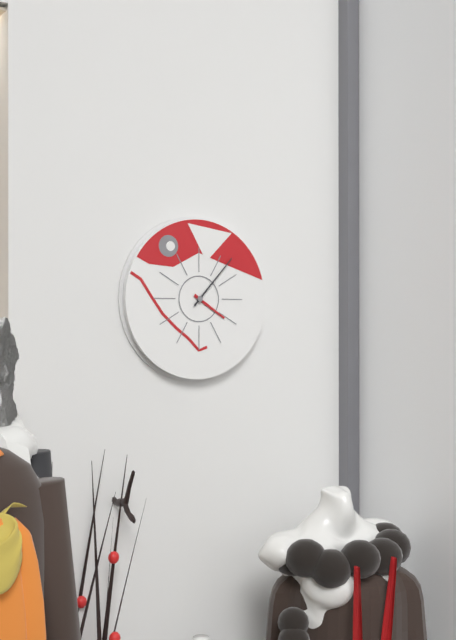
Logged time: h=4 m=7
